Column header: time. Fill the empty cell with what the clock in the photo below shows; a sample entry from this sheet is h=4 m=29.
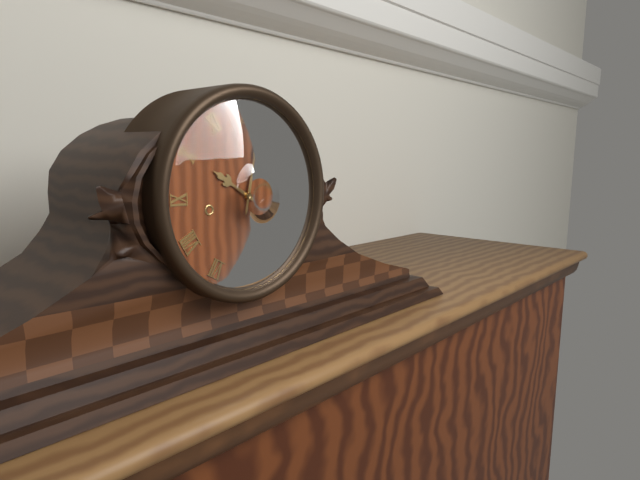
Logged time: h=10 m=2
